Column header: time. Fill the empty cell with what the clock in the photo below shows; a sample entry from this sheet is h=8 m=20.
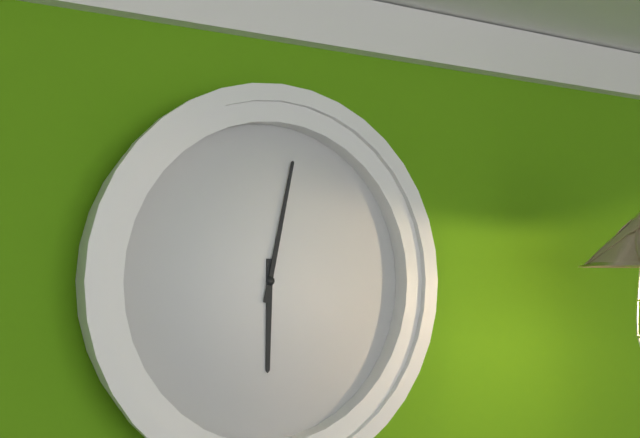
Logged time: h=6 m=2
